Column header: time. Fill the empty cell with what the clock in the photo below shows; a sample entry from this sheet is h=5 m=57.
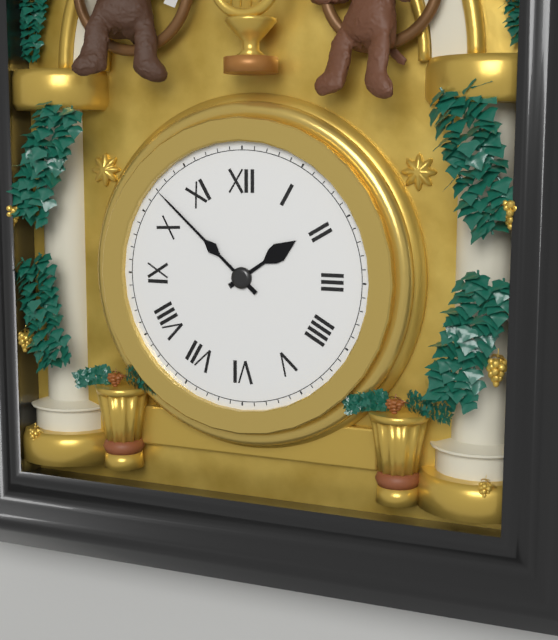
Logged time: h=1 m=52
